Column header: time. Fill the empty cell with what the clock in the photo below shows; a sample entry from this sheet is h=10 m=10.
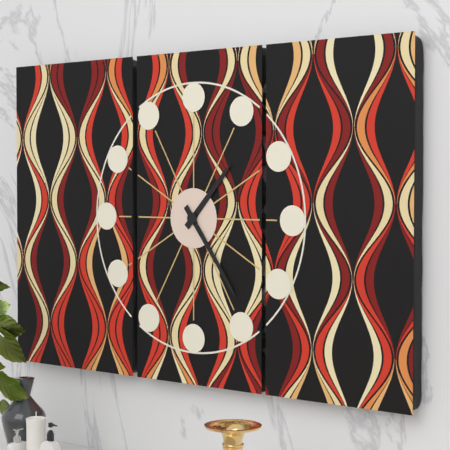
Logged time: h=1 m=24
